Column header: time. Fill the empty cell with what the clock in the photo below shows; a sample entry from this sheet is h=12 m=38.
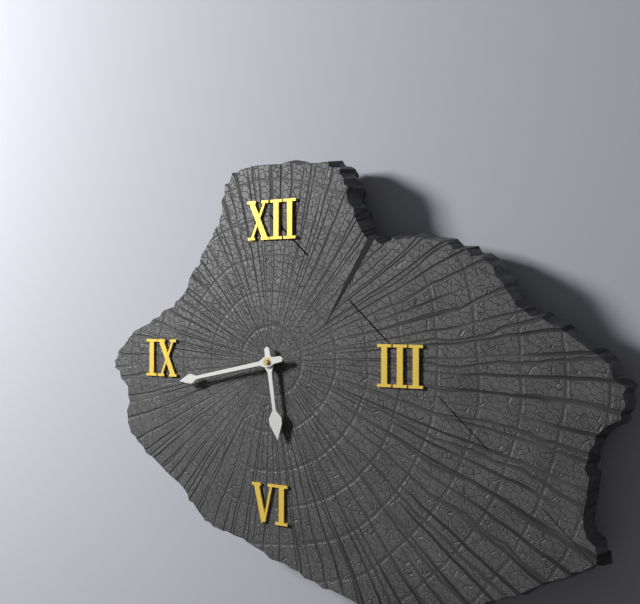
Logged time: h=5 m=43
